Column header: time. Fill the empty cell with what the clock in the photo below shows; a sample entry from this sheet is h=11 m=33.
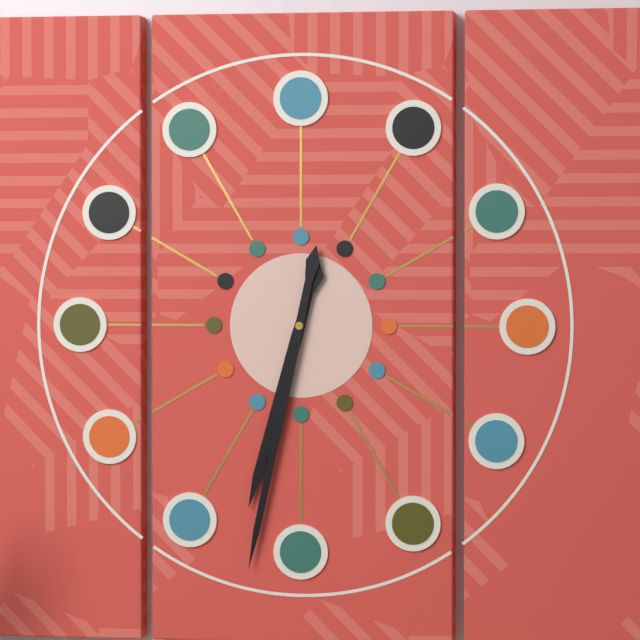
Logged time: h=6 m=32
